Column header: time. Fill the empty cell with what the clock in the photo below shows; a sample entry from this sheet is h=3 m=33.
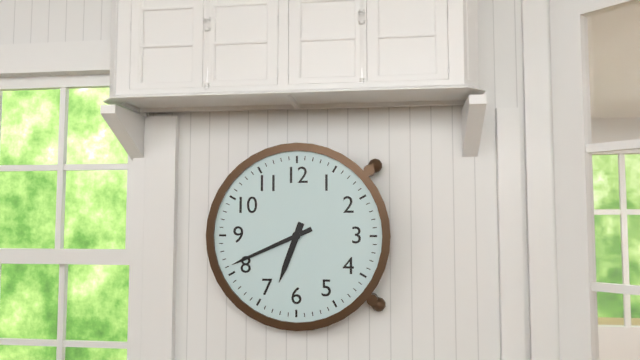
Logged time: h=6 m=41
